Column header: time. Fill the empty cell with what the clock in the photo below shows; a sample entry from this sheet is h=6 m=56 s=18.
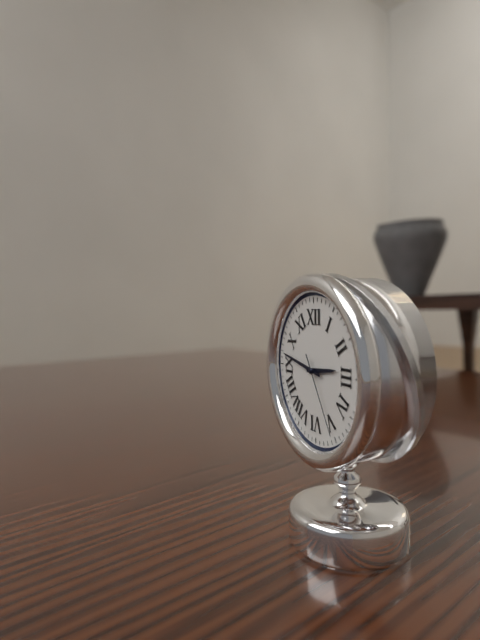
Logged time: h=2 m=47 s=25
